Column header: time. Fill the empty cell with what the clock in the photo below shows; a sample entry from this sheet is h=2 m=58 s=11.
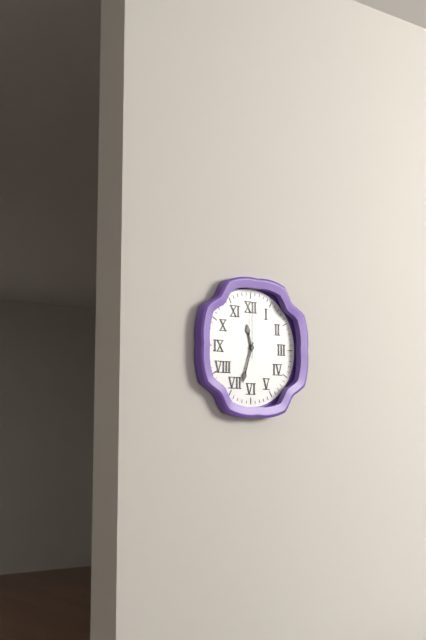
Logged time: h=11 m=33 s=0
